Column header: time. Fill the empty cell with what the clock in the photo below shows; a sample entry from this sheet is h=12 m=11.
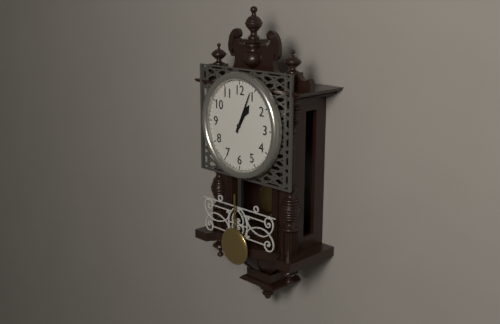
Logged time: h=1 m=4
